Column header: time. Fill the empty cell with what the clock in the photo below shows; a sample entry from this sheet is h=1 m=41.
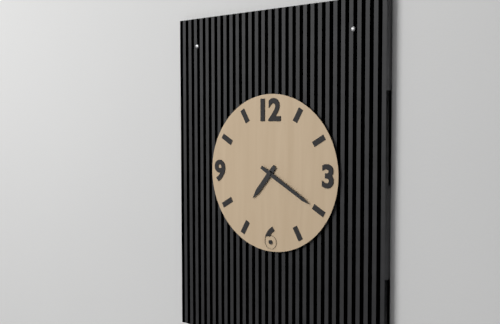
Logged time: h=7 m=20
